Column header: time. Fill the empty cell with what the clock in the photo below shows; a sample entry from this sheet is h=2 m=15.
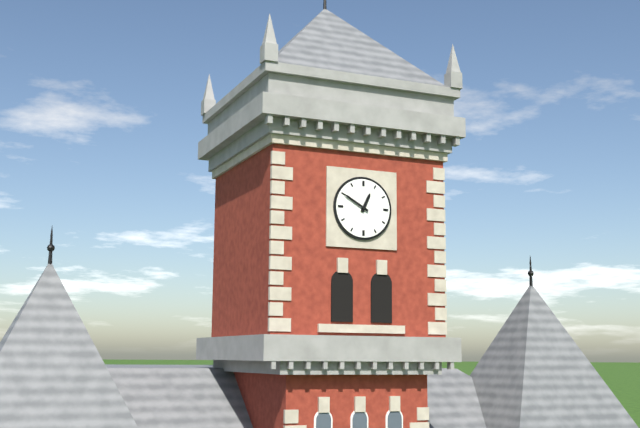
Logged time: h=12 m=50
